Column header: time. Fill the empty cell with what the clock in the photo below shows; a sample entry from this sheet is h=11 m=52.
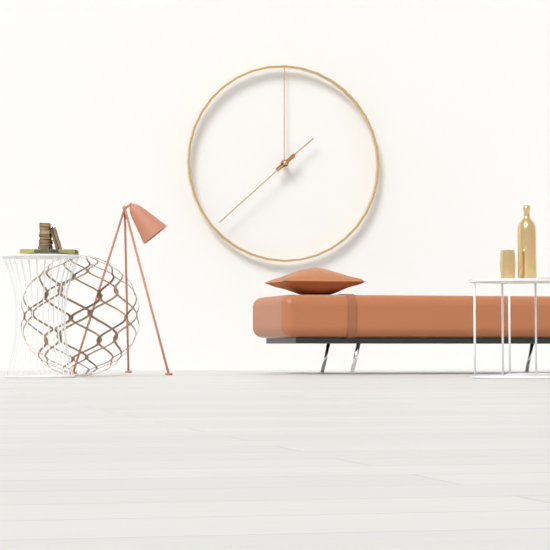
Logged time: h=1 m=38
